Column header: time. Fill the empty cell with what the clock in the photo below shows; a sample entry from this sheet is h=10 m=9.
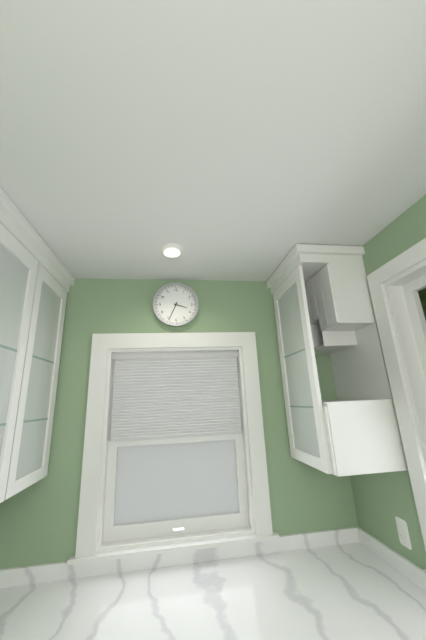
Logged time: h=3 m=34
